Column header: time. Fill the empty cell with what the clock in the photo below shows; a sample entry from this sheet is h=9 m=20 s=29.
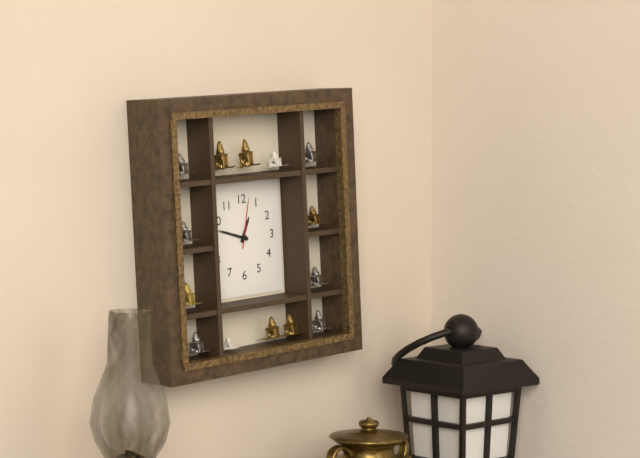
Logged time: h=12 m=48 s=2
